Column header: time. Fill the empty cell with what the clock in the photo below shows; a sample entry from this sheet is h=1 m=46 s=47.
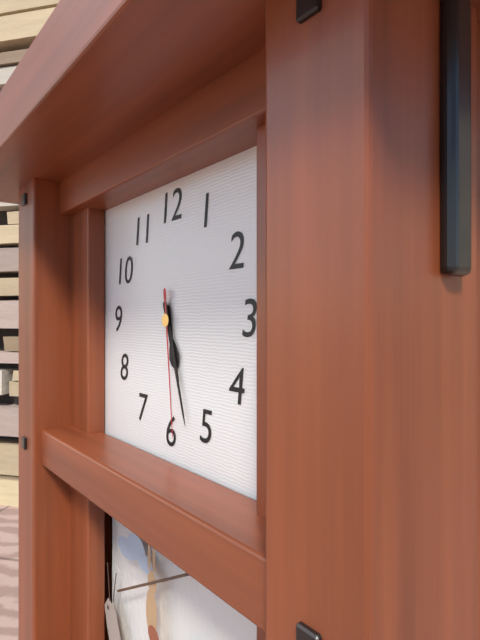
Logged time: h=5 m=27 s=29
